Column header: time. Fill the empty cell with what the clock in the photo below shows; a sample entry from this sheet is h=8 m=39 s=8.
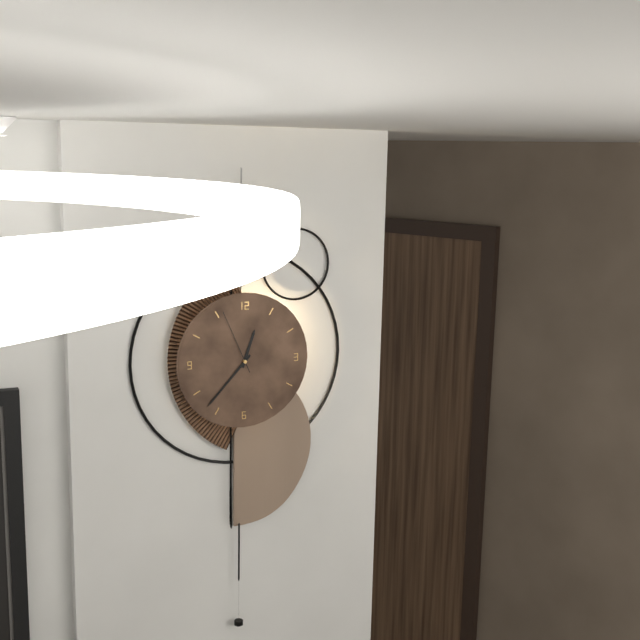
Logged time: h=12 m=37 s=56
